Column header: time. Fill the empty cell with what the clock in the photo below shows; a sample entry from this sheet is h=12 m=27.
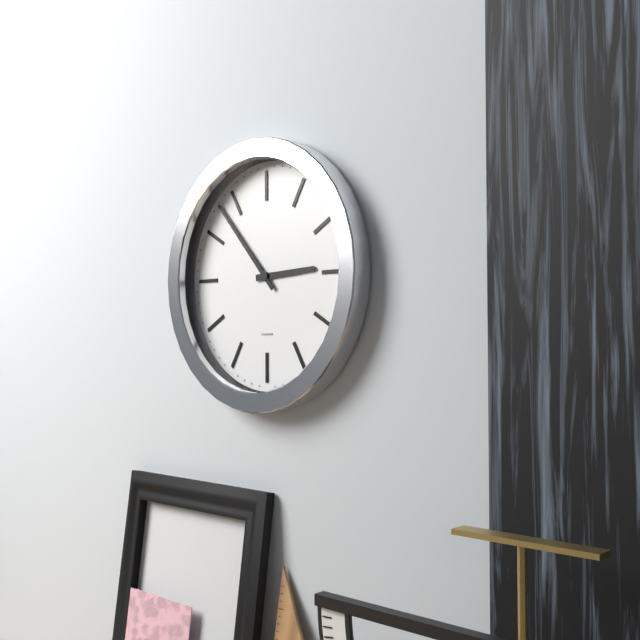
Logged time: h=2 m=53
